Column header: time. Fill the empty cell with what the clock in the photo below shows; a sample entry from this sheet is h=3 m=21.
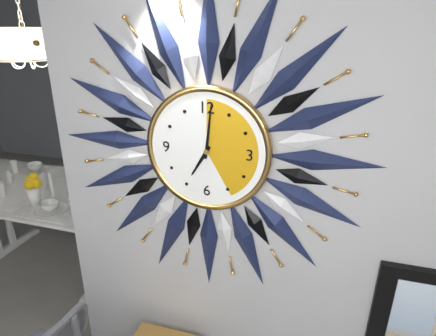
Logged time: h=7 m=1
